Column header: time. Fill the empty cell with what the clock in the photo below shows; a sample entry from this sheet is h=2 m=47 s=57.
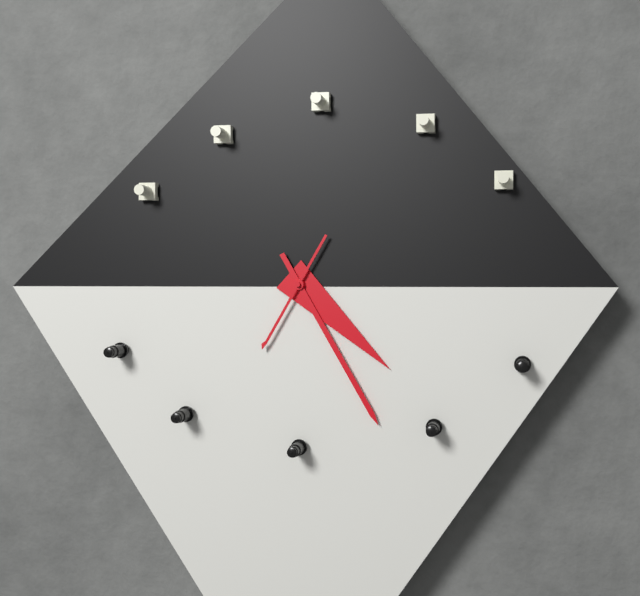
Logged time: h=4 m=25 s=35
